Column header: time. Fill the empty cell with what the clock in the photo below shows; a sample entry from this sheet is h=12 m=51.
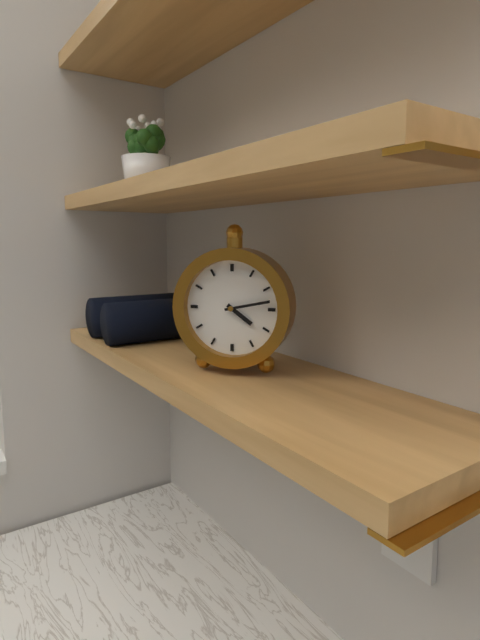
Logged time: h=4 m=13
